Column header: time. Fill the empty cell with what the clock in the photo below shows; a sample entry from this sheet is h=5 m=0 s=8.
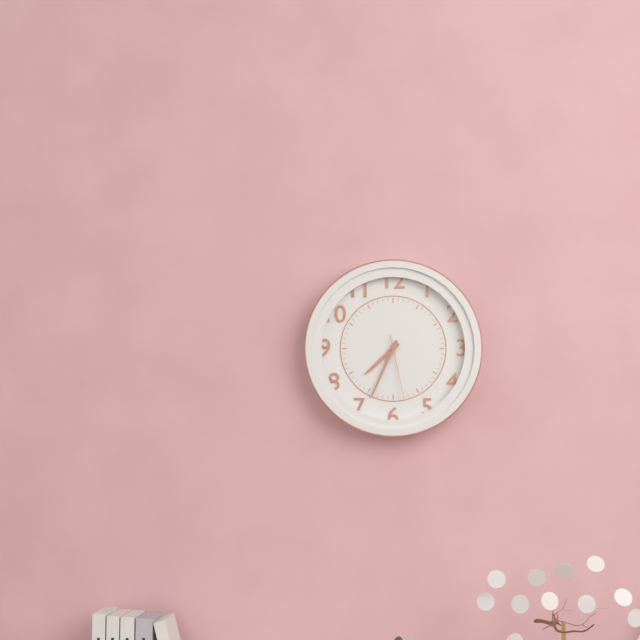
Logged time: h=7 m=34 s=28
